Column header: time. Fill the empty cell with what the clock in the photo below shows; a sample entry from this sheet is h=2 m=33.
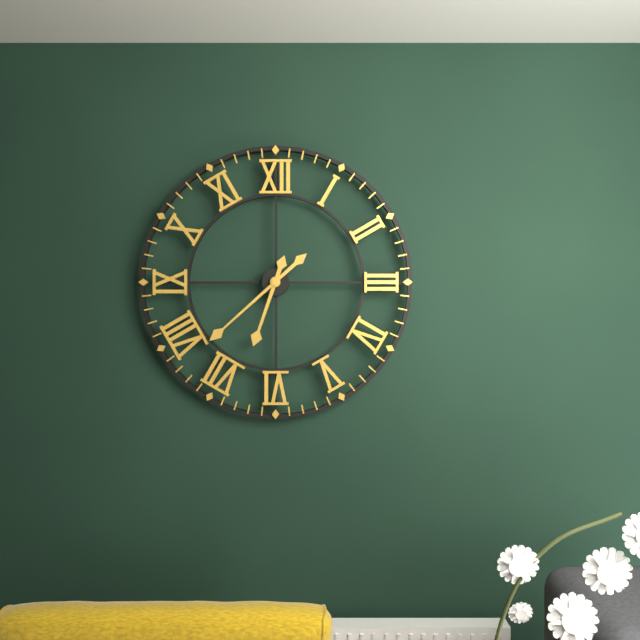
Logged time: h=6 m=38
